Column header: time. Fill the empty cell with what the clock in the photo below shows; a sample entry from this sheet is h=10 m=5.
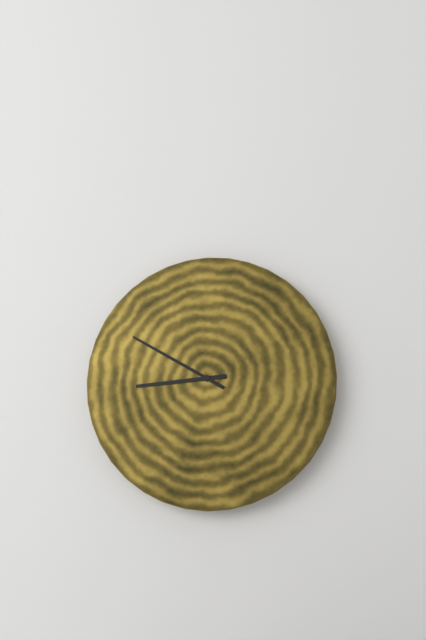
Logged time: h=8 m=50
